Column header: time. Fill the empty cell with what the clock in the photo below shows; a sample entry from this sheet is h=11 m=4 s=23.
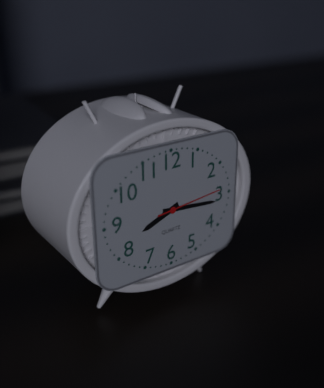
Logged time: h=8 m=16 s=14
